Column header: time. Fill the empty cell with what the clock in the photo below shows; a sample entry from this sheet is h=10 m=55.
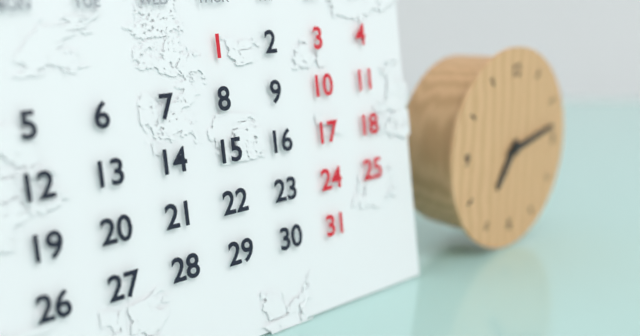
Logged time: h=7 m=13
